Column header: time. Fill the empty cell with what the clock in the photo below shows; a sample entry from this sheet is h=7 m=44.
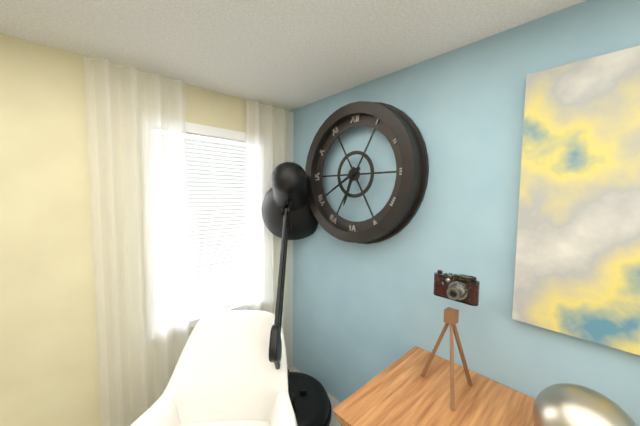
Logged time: h=6 m=40
